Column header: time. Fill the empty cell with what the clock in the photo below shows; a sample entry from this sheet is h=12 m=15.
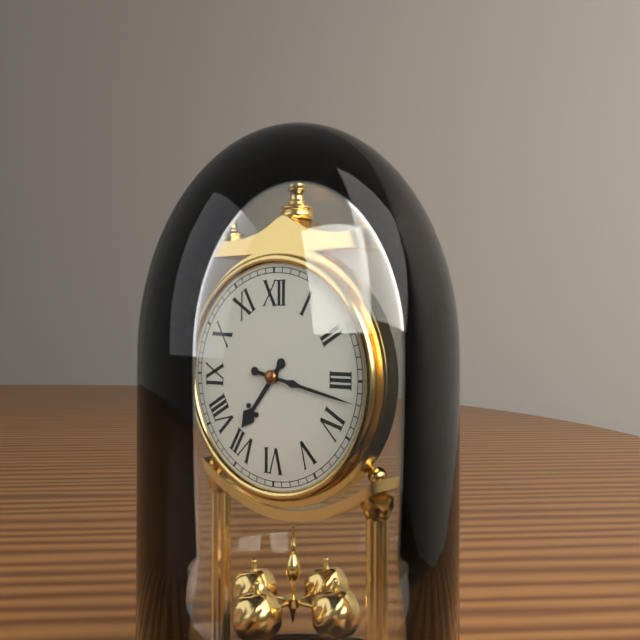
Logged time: h=7 m=17
